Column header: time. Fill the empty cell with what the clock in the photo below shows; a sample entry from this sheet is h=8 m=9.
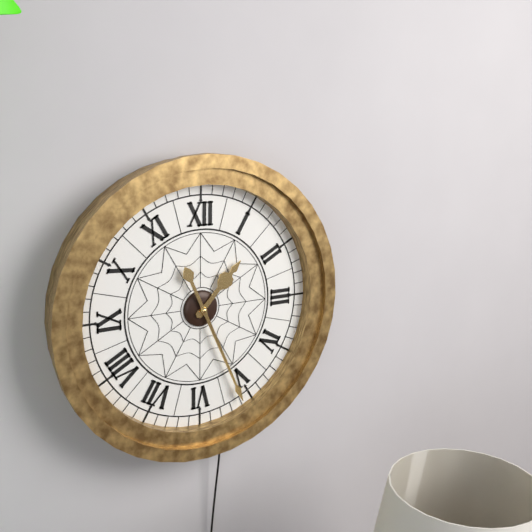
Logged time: h=1 m=26
